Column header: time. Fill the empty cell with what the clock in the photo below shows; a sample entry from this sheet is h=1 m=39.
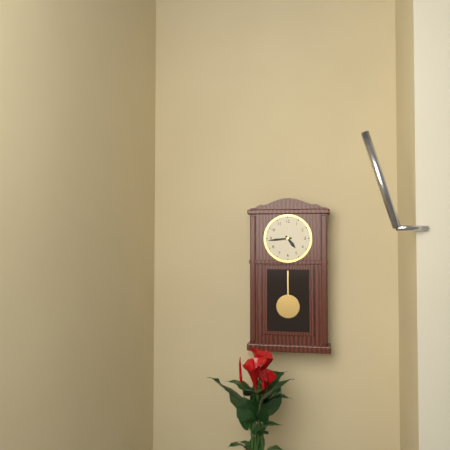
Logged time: h=4 m=44
